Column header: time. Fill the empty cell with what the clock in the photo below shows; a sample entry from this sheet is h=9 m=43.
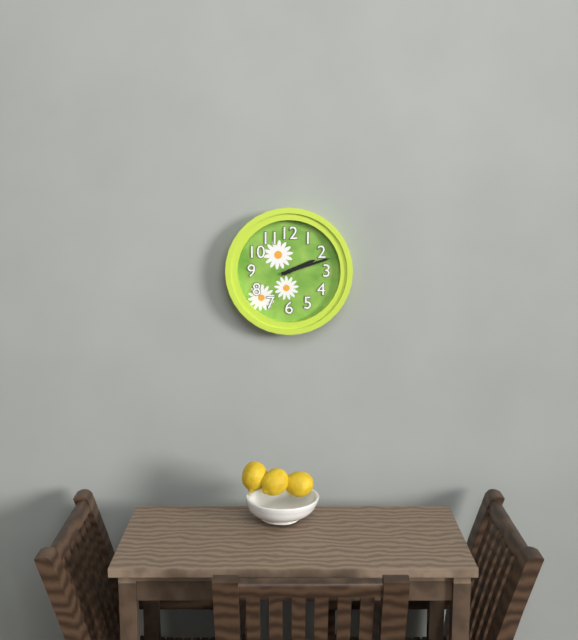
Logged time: h=2 m=12
